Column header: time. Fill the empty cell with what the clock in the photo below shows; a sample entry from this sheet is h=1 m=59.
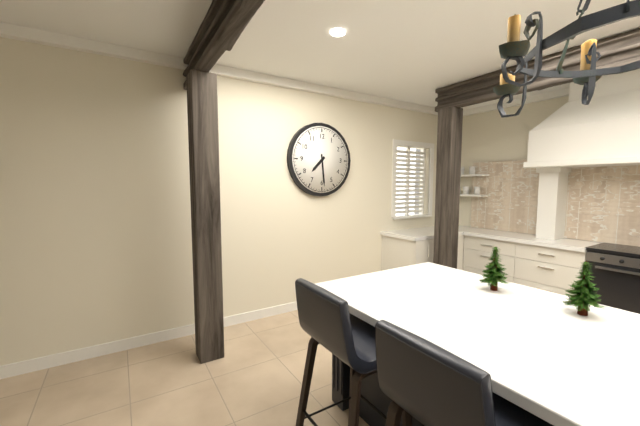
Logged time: h=7 m=29
